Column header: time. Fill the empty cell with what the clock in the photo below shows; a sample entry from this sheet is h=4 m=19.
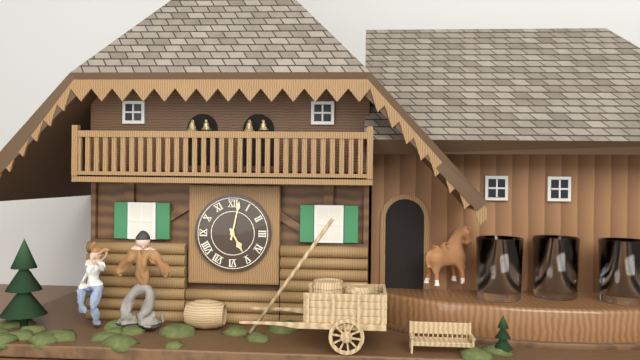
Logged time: h=5 m=2
